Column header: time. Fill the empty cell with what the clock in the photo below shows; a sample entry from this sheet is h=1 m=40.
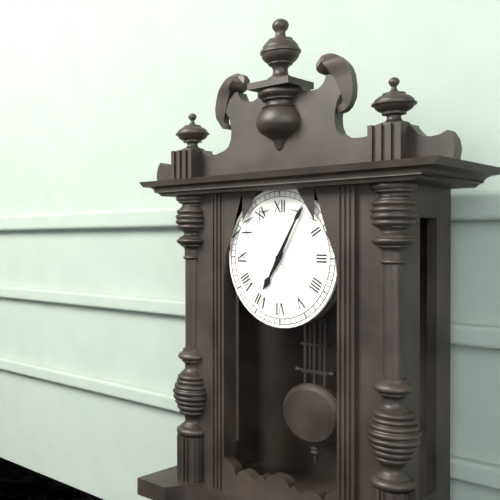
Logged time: h=7 m=5
